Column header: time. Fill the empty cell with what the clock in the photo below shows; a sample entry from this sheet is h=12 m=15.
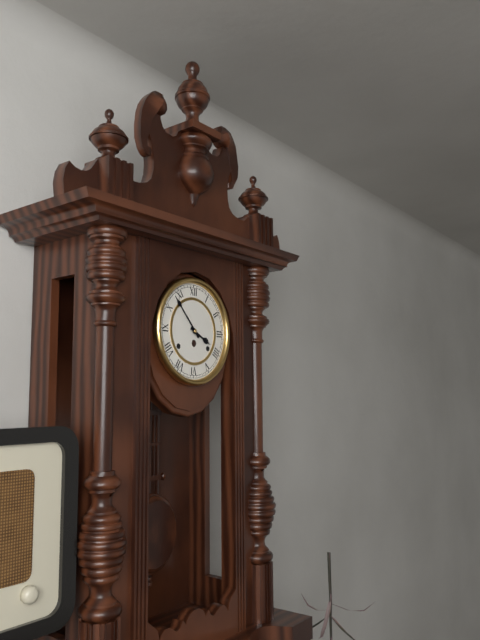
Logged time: h=3 m=53
